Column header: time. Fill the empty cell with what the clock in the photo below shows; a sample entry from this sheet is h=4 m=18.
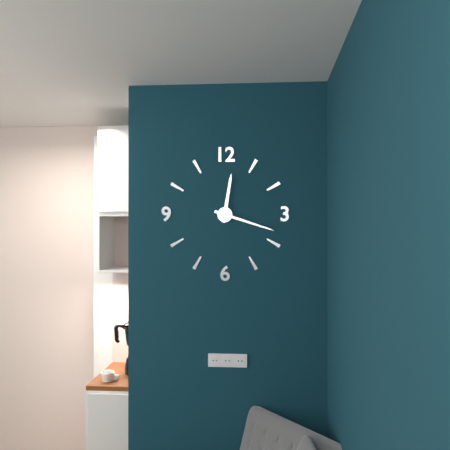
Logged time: h=12 m=18
